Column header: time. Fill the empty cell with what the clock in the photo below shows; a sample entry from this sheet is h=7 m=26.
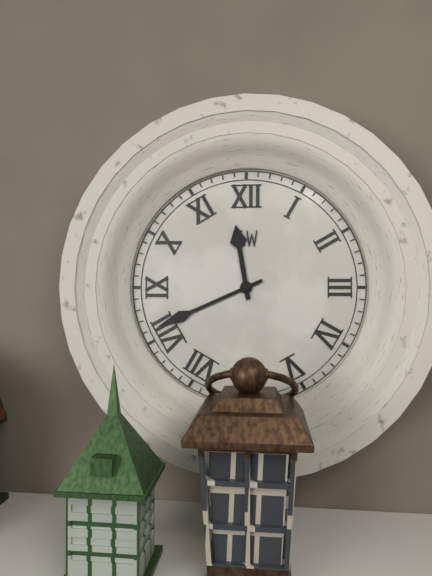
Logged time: h=11 m=41
